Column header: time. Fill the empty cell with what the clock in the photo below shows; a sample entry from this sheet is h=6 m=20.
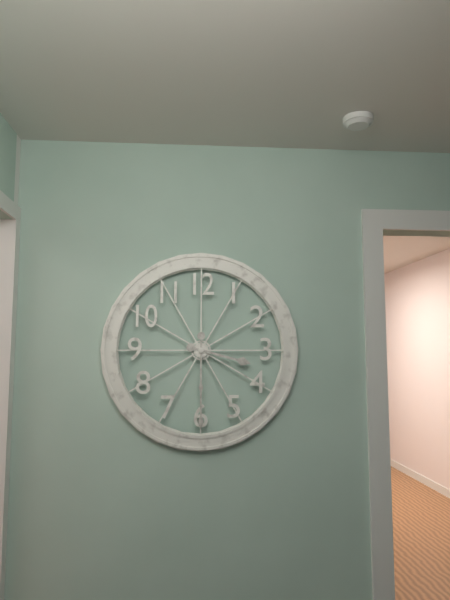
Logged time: h=3 m=30
